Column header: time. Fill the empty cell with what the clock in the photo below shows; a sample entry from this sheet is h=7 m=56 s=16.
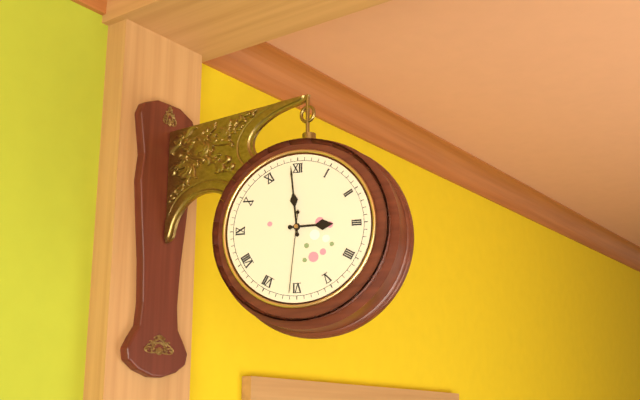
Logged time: h=2 m=59 s=31
